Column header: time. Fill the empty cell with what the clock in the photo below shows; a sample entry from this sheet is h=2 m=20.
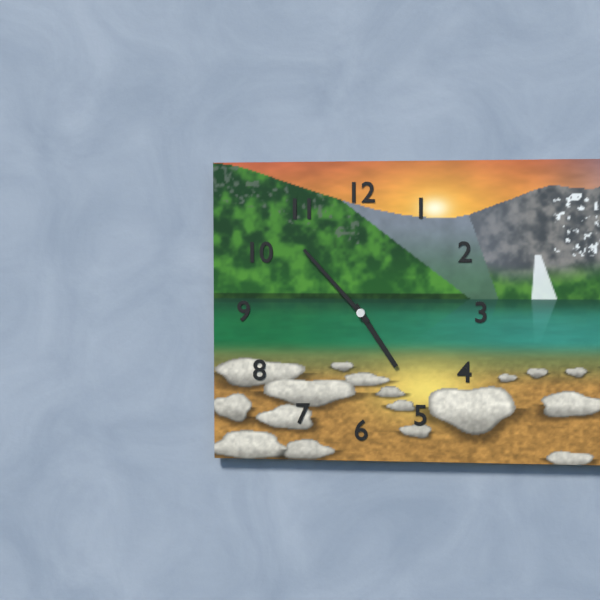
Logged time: h=4 m=53
